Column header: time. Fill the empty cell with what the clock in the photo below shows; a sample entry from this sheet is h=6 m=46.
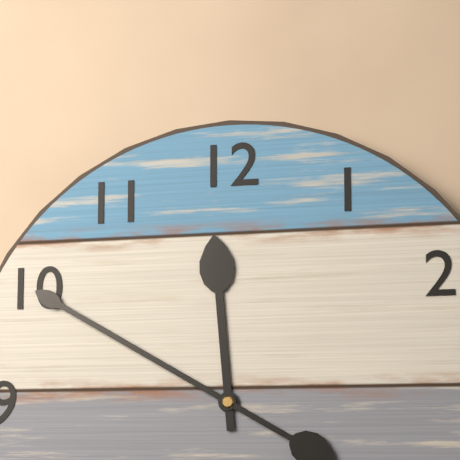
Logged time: h=11 m=50
